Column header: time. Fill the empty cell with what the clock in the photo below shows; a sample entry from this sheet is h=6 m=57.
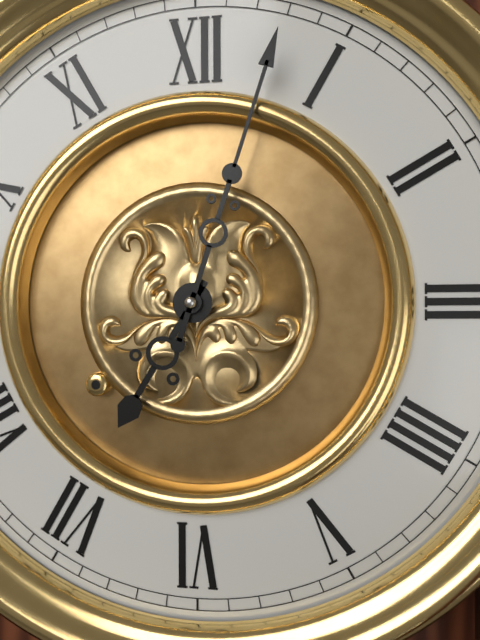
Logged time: h=7 m=3
